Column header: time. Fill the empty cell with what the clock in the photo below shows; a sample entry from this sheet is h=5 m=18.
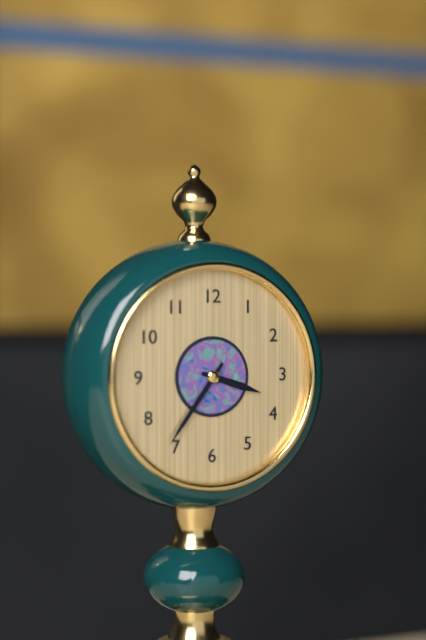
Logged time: h=3 m=36
